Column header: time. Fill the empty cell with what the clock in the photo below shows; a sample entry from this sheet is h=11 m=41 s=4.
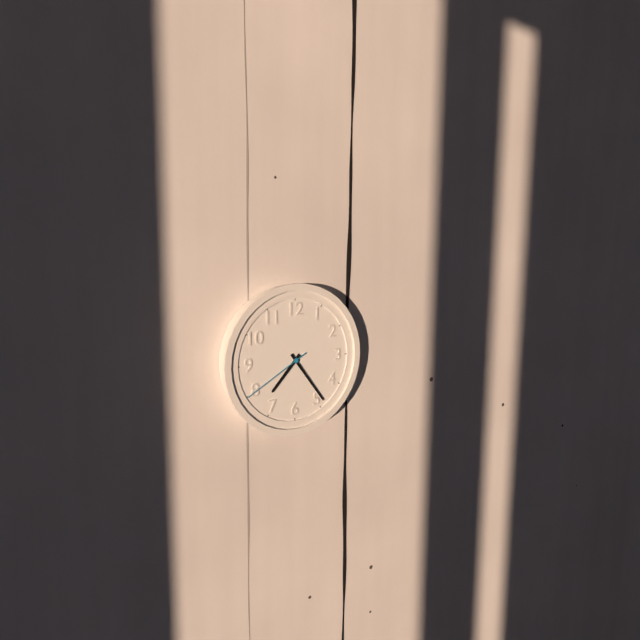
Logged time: h=7 m=24 s=40
